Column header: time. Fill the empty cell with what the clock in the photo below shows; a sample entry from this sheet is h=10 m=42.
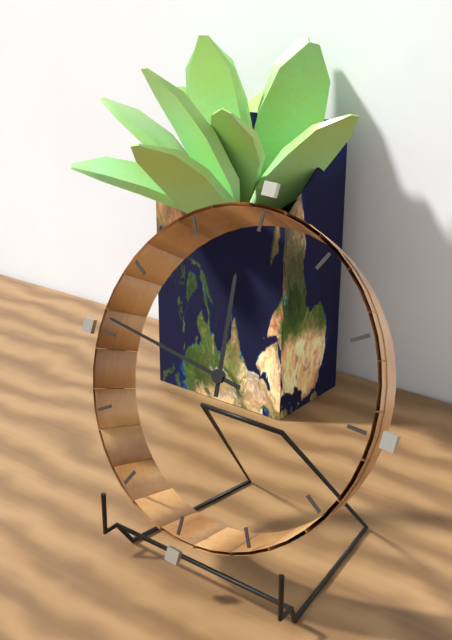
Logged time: h=11 m=46
